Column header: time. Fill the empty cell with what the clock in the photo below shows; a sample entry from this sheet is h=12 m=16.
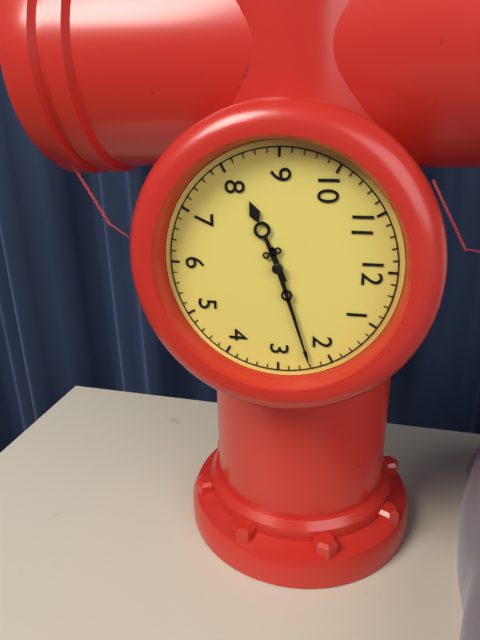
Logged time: h=8 m=12
